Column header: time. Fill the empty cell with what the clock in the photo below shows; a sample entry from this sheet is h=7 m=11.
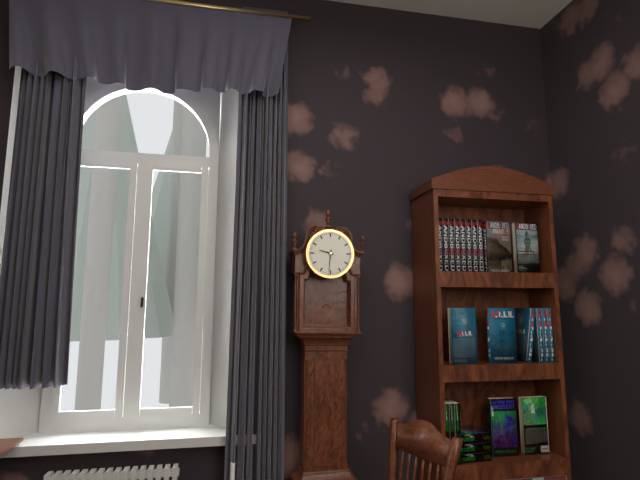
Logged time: h=9 m=31
